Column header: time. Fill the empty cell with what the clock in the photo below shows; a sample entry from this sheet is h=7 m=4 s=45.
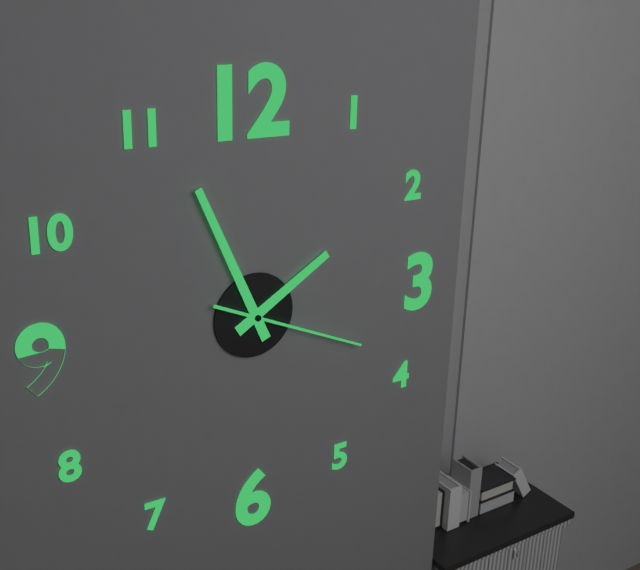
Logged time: h=1 m=56 s=19
